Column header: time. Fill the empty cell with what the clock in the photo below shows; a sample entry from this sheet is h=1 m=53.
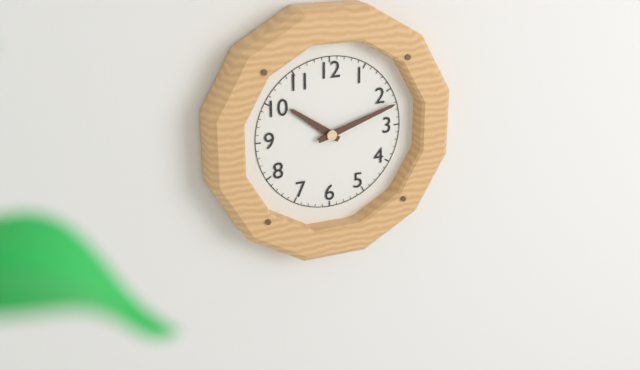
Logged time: h=10 m=12
